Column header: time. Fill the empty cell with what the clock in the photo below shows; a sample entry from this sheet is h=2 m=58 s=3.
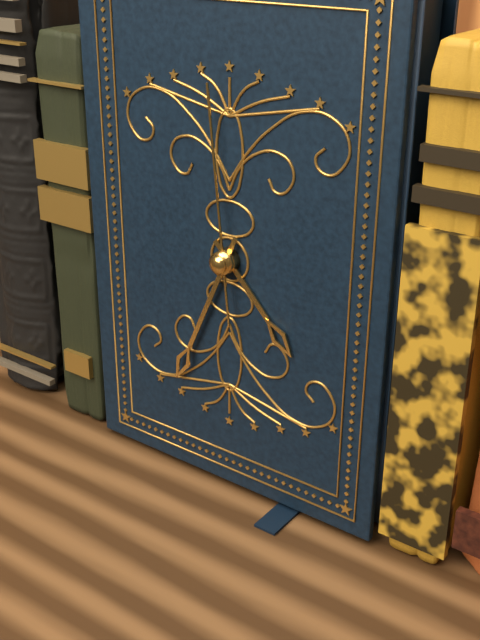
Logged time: h=4 m=34 s=59
